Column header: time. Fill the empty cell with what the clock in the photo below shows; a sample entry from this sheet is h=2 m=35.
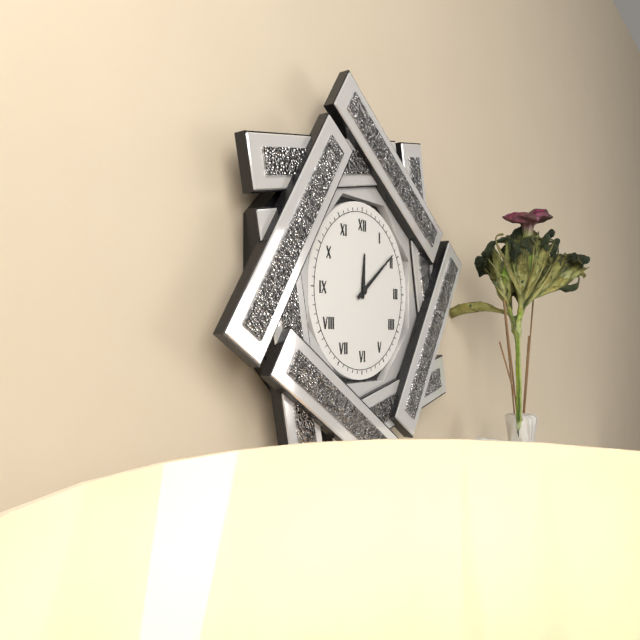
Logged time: h=12 m=9
